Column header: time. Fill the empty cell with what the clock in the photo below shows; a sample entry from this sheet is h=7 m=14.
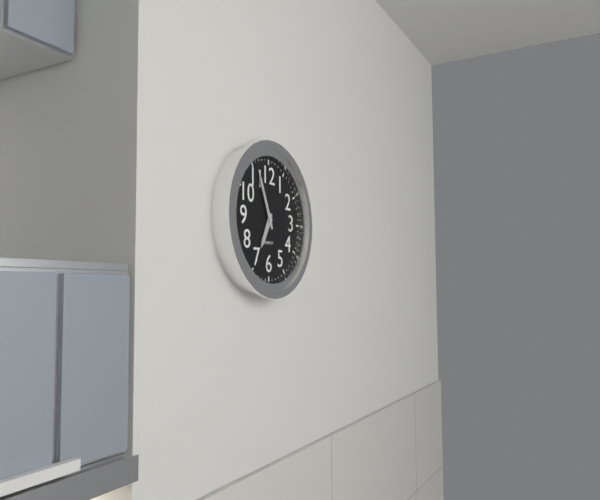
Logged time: h=6 m=56
